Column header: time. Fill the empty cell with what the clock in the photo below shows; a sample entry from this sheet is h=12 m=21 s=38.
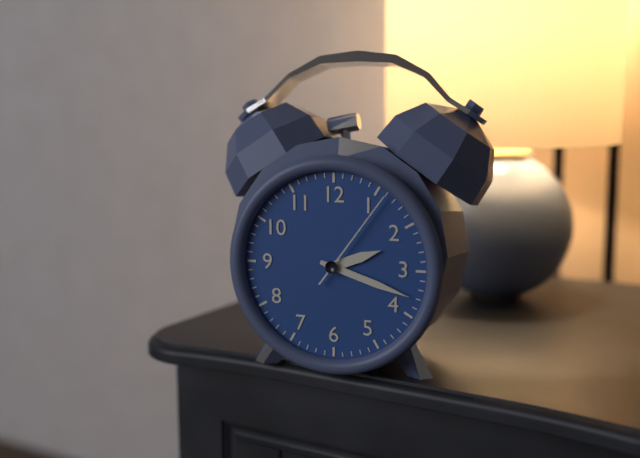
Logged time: h=2 m=18 s=6
